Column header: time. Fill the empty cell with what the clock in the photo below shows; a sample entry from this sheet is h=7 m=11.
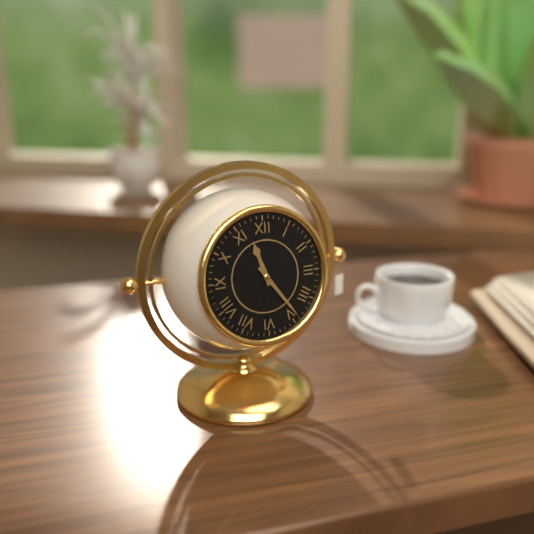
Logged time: h=11 m=24
